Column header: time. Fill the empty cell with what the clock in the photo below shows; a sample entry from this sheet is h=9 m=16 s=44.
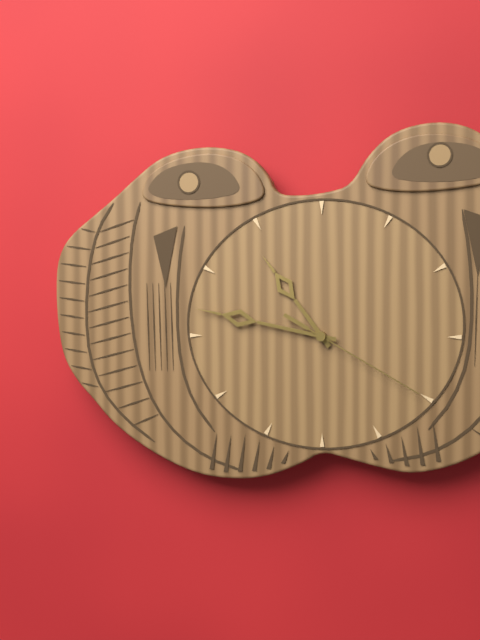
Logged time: h=10 m=47 s=20
